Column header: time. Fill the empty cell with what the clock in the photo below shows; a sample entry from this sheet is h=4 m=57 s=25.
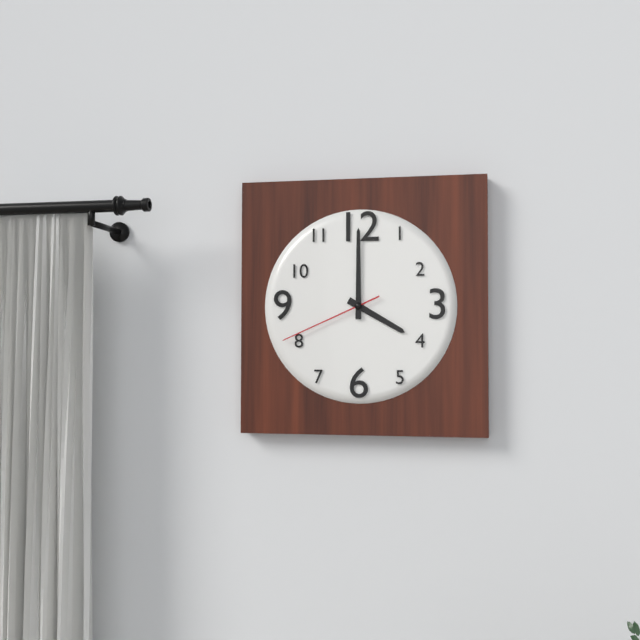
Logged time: h=4 m=0 s=41
